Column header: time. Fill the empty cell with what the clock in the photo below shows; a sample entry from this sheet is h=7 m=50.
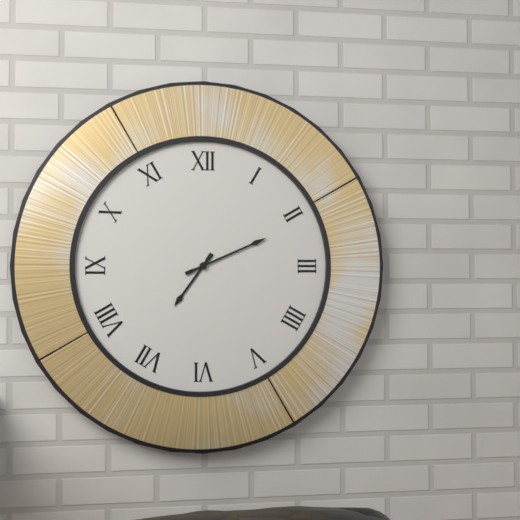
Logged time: h=7 m=11
